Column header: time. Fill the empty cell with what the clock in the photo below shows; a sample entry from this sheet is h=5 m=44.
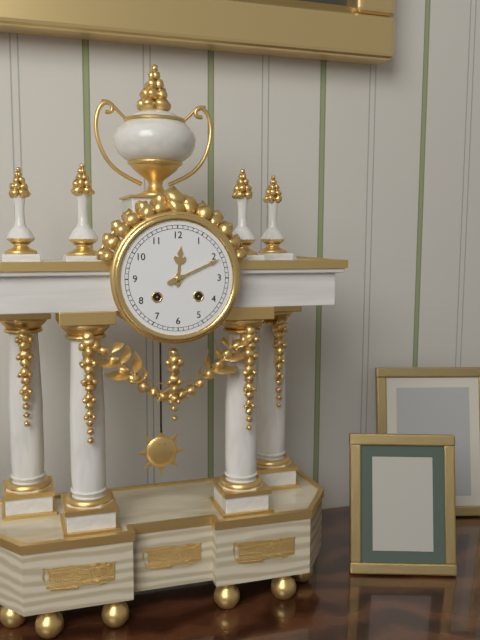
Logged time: h=12 m=11
